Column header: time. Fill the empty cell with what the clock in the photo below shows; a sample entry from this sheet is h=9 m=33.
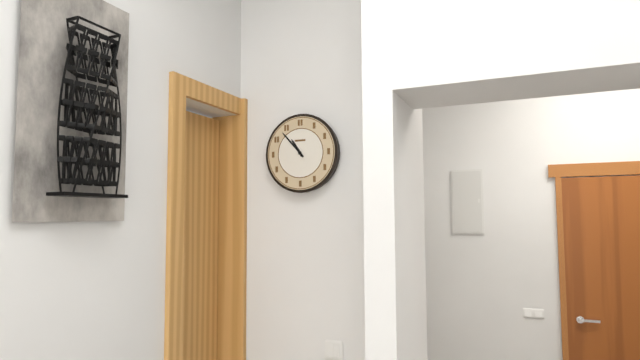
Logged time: h=10 m=53
